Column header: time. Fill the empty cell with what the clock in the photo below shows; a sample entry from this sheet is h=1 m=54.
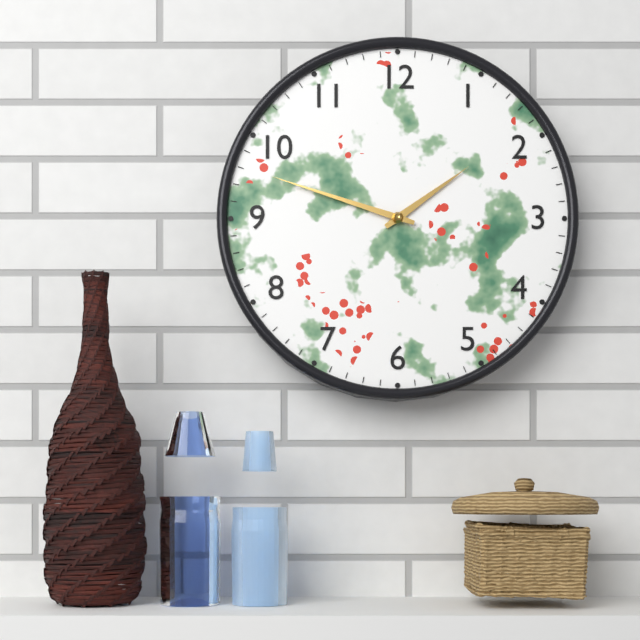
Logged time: h=1 m=48
